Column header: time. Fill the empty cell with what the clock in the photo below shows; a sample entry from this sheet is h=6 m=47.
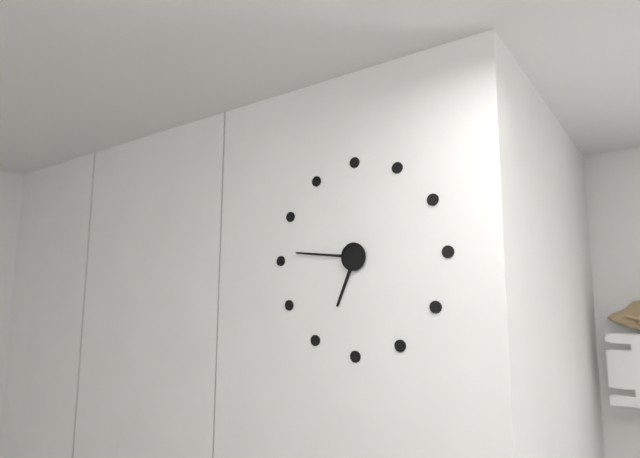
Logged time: h=6 m=46
